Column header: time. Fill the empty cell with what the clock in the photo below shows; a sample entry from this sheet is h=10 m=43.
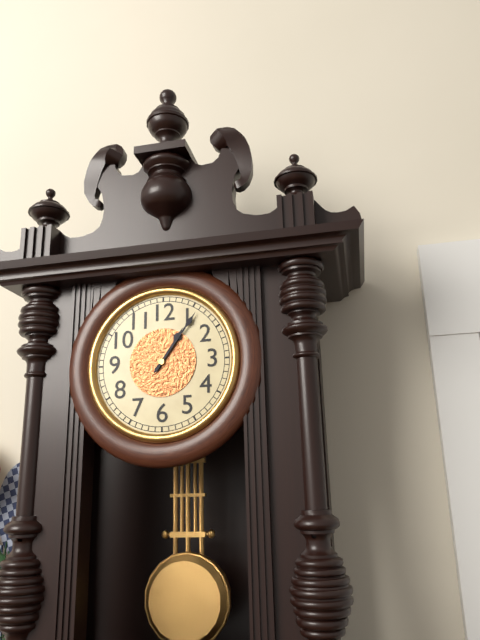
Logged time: h=1 m=6
